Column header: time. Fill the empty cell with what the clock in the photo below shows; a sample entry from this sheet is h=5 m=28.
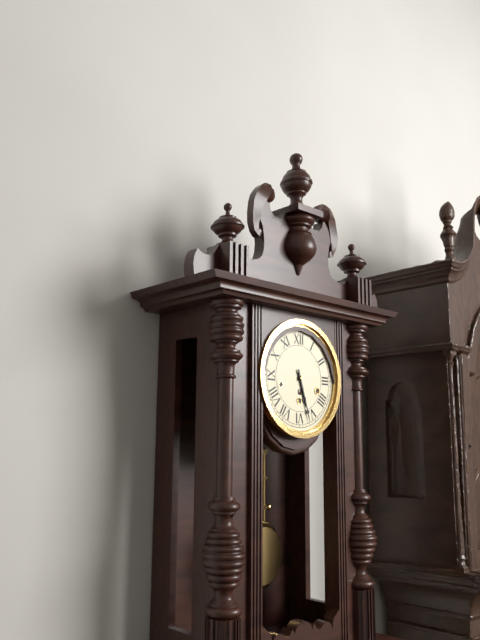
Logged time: h=5 m=27
